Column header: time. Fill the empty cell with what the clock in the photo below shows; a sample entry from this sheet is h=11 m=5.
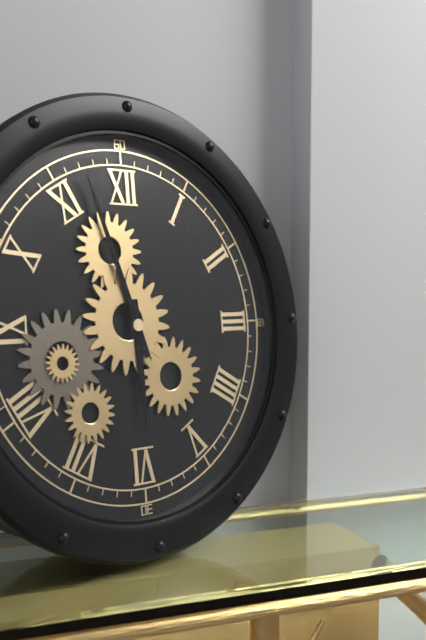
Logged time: h=5 m=57
